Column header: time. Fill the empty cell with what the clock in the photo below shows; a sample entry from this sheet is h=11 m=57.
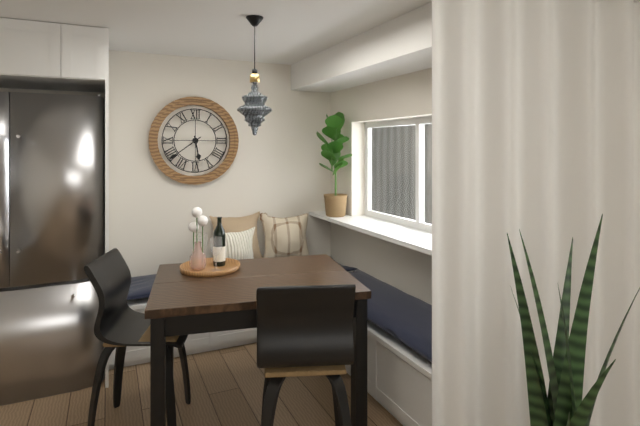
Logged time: h=5 m=39
